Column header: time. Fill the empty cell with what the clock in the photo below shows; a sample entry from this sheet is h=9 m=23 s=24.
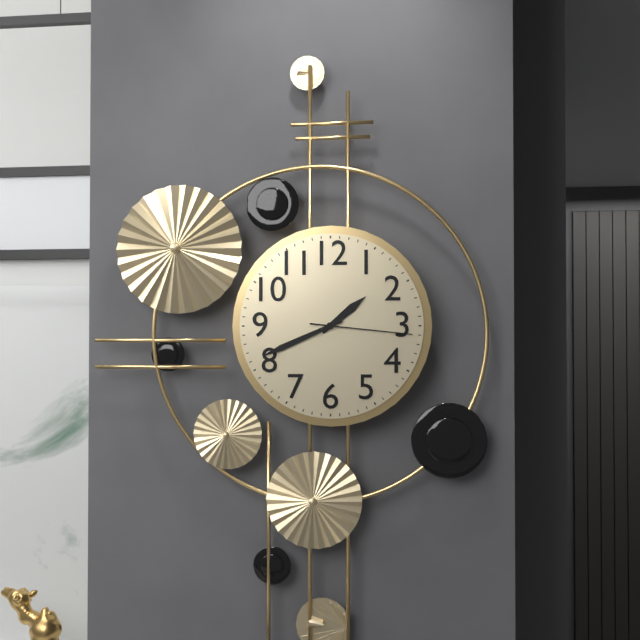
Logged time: h=1 m=41 s=16
